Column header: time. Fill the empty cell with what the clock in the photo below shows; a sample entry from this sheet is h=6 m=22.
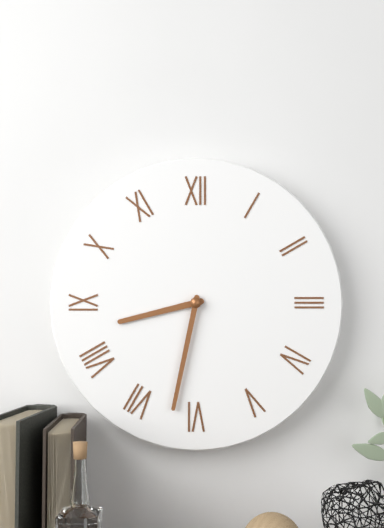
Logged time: h=8 m=32
